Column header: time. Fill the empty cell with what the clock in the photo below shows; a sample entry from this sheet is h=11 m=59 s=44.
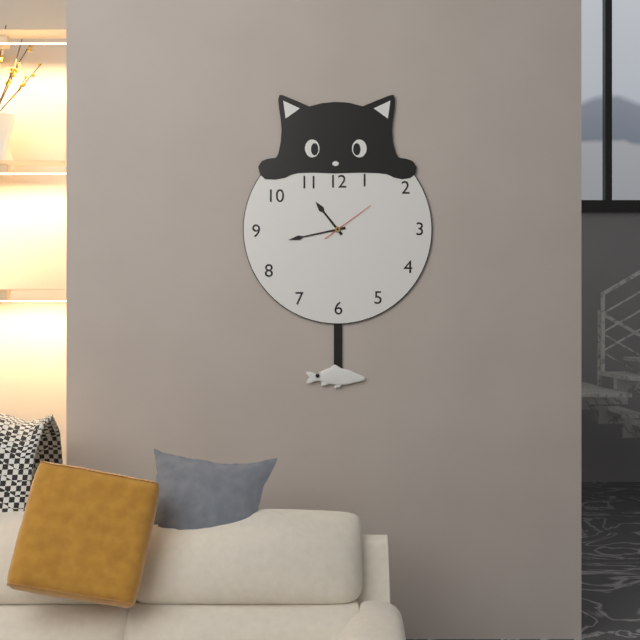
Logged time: h=10 m=43 s=9
